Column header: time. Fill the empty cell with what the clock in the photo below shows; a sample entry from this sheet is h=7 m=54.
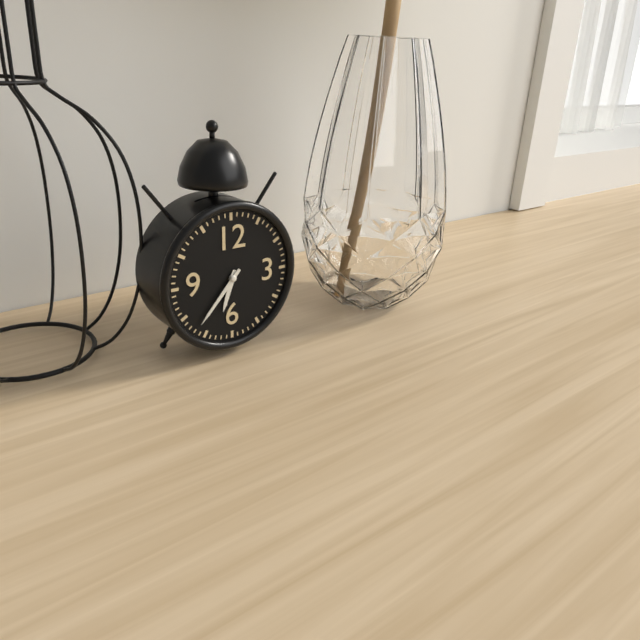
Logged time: h=6 m=37
